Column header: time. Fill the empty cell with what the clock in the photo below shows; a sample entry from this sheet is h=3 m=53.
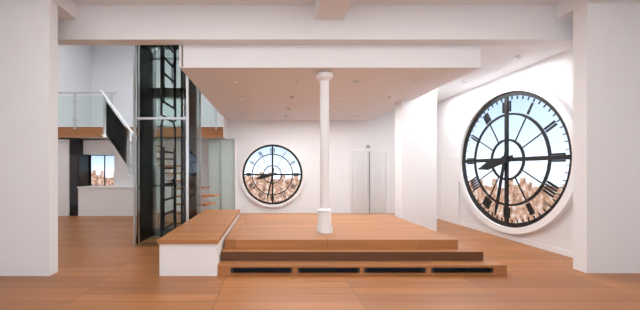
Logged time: h=8 m=32
